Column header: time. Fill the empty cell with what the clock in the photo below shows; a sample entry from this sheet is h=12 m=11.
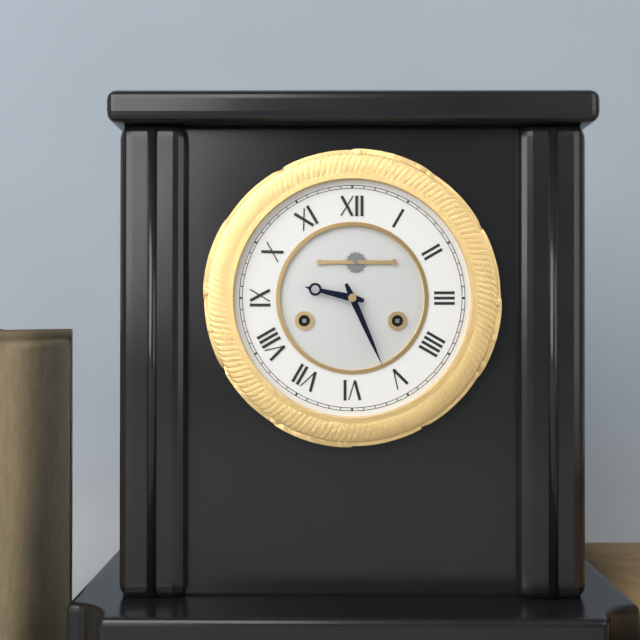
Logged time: h=9 m=26
